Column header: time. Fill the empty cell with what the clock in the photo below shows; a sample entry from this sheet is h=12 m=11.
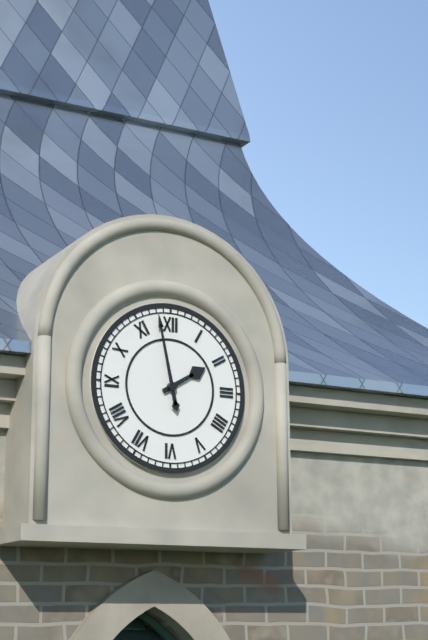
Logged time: h=1 m=58
